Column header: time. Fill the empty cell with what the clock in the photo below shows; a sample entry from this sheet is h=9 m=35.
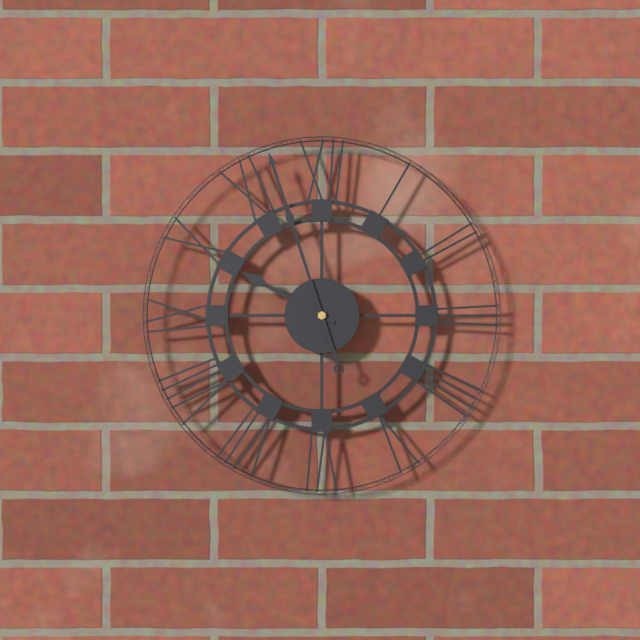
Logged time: h=9 m=57
